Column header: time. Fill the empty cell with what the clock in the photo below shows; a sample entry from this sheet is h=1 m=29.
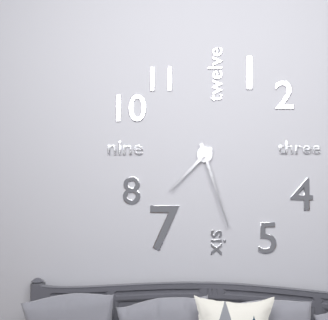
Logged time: h=7 m=27
